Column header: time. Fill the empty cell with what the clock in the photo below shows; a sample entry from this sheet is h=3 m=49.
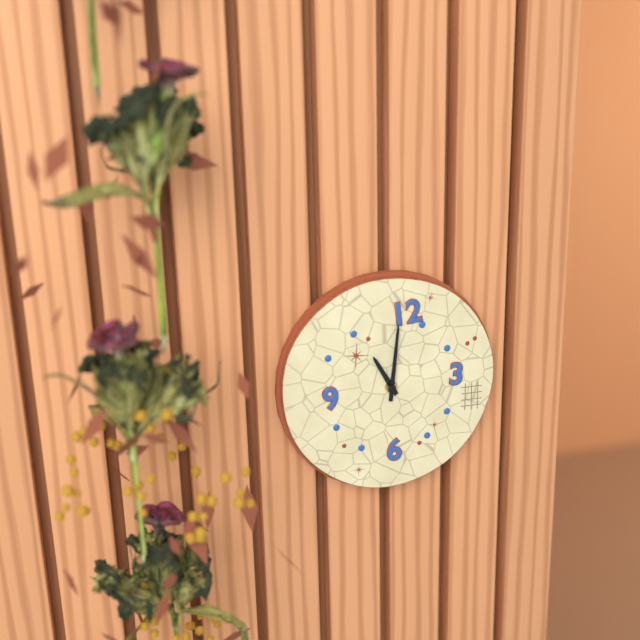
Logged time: h=11 m=1
